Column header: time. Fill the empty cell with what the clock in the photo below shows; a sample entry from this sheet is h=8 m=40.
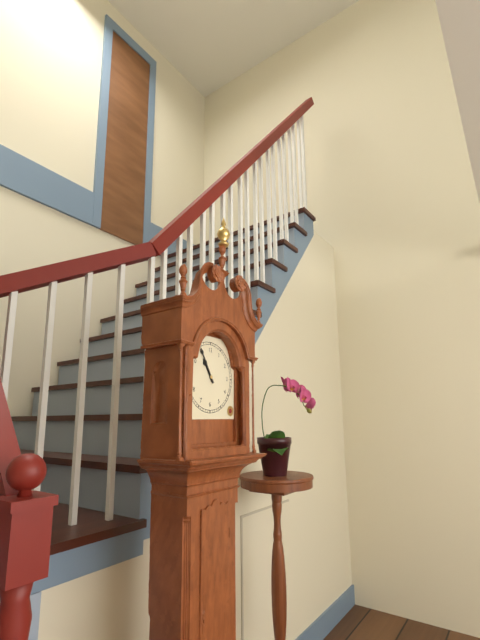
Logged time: h=10 m=55
